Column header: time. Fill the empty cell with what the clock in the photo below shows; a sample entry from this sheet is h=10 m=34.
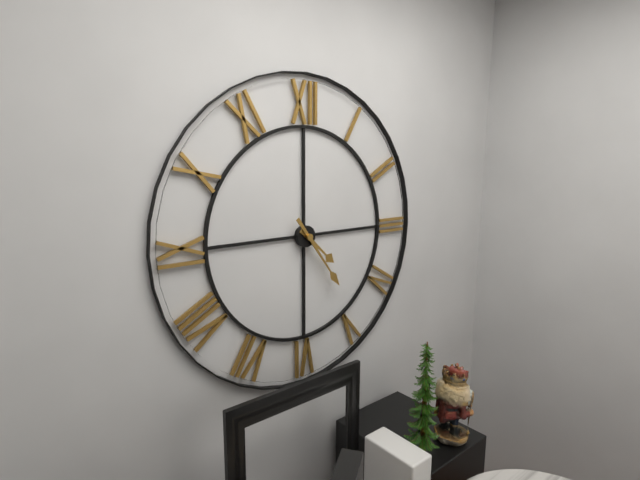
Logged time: h=4 m=24
